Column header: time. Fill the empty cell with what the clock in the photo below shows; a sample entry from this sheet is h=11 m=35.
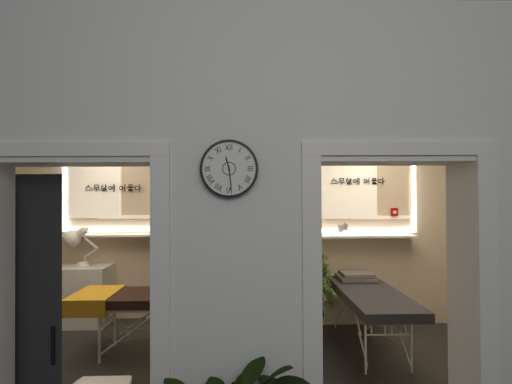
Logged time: h=11 m=29
